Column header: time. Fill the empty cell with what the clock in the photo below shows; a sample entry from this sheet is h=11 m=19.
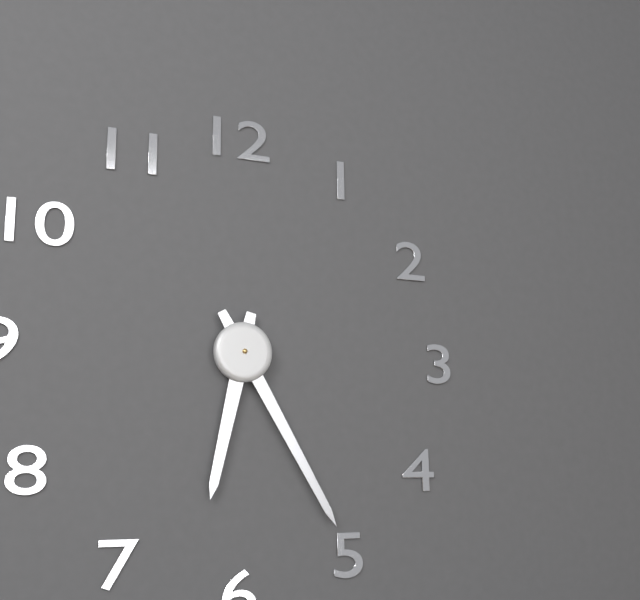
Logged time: h=6 m=25
